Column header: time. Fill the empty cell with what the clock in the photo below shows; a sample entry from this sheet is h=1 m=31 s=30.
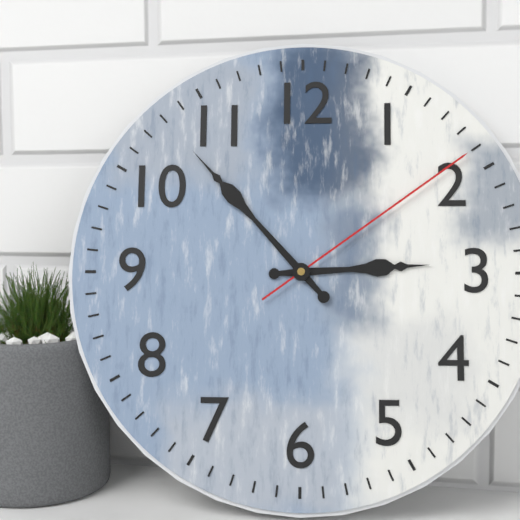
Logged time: h=2 m=53 s=9
